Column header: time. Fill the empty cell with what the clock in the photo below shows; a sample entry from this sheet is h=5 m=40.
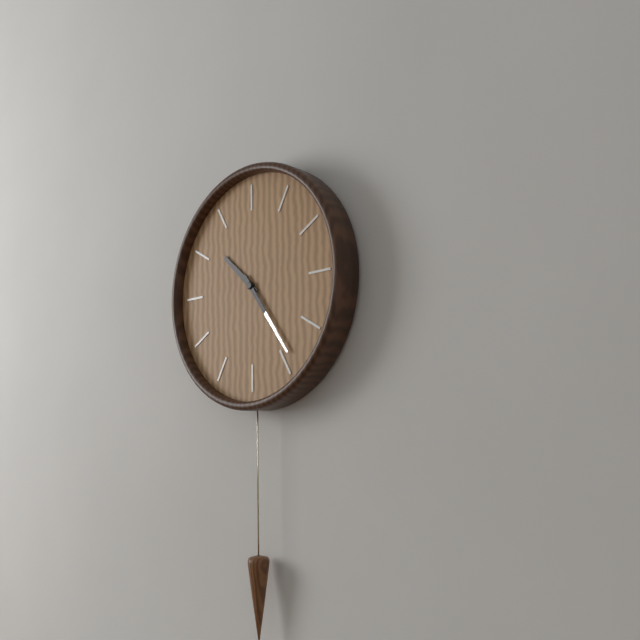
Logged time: h=10 m=24
